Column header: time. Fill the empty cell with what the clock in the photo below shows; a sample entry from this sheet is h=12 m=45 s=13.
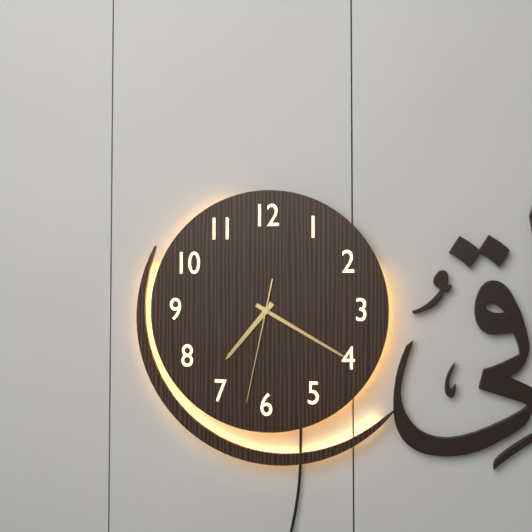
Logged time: h=7 m=20 s=32
